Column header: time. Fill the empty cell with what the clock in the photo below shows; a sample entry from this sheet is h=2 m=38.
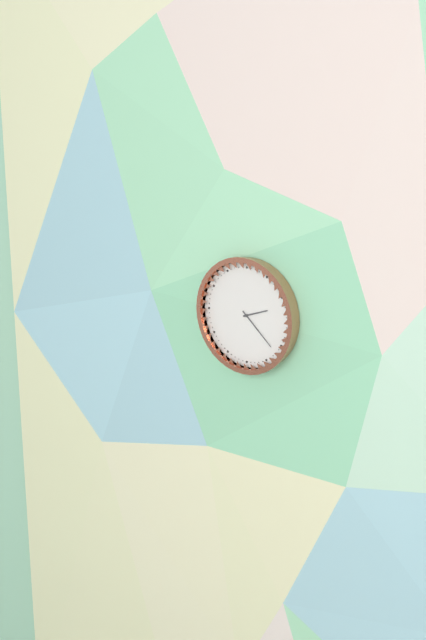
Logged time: h=2 m=22
